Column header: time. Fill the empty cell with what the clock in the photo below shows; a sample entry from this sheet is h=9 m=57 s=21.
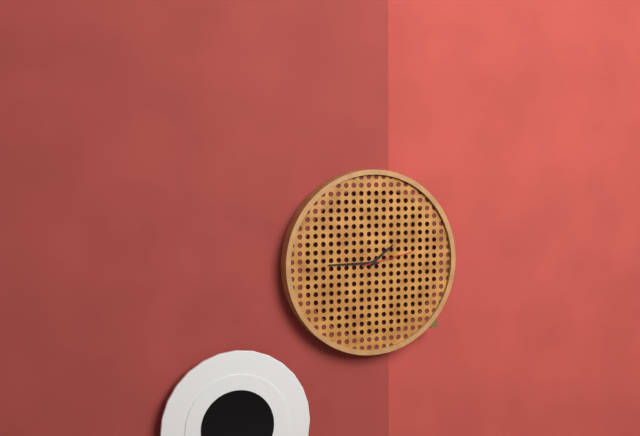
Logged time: h=1 m=45 s=13
